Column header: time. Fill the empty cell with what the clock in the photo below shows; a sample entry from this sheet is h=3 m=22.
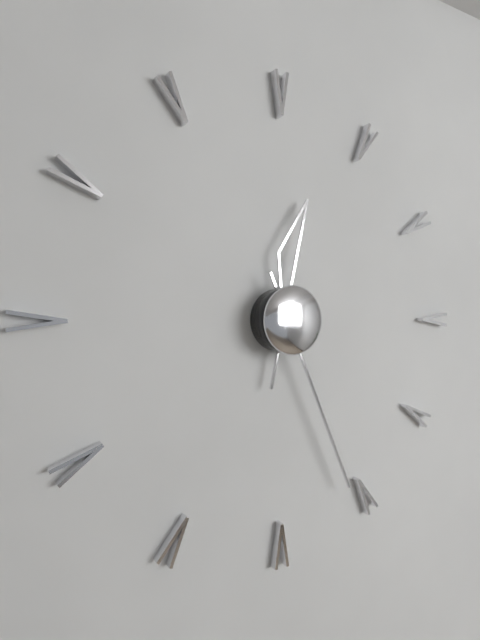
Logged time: h=12 m=26
